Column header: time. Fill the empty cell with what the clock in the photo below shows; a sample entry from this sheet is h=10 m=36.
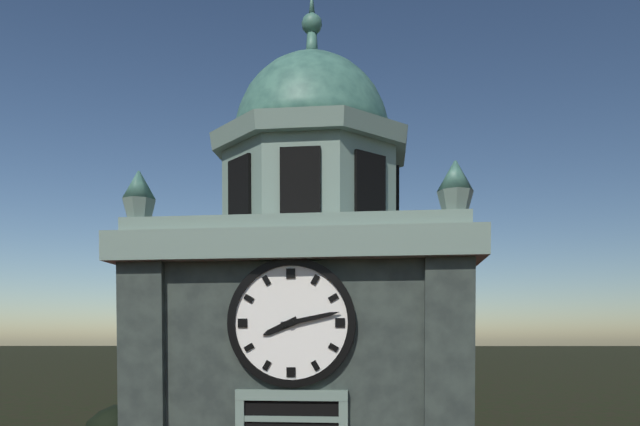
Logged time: h=8 m=13
